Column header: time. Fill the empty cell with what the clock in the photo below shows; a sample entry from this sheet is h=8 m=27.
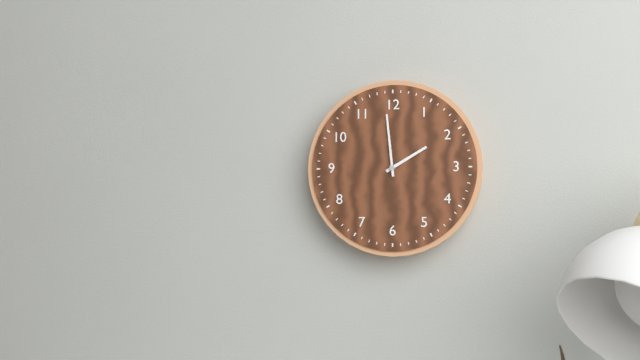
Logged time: h=1 m=59
